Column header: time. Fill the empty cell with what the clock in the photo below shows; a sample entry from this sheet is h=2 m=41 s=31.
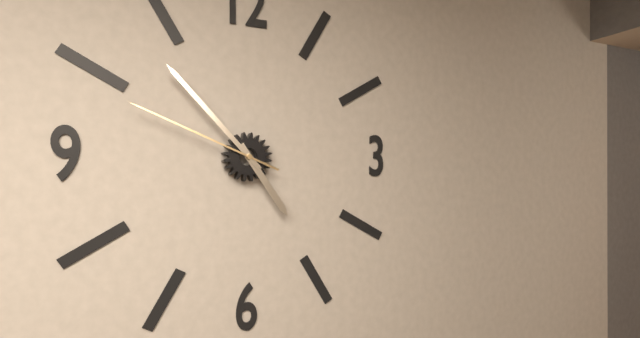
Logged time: h=4 m=53 s=49
